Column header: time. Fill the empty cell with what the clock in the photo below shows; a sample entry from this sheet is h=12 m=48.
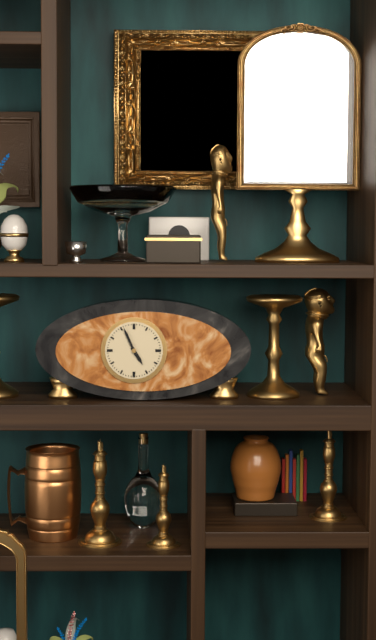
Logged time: h=4 m=56
